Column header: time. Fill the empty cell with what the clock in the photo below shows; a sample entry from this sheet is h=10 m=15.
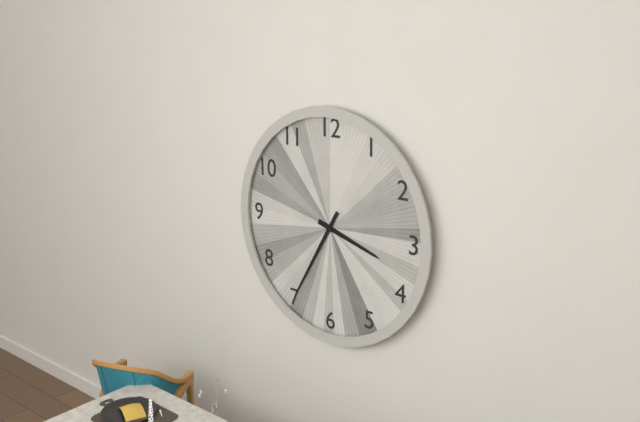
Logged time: h=3 m=35
